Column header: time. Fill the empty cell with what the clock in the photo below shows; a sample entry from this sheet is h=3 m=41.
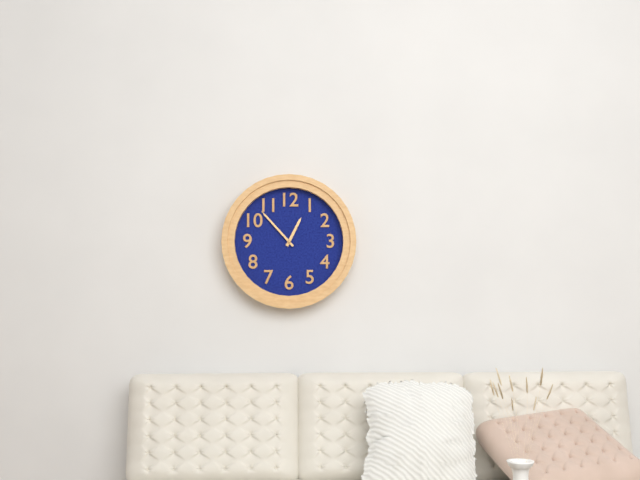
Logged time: h=12 m=53
